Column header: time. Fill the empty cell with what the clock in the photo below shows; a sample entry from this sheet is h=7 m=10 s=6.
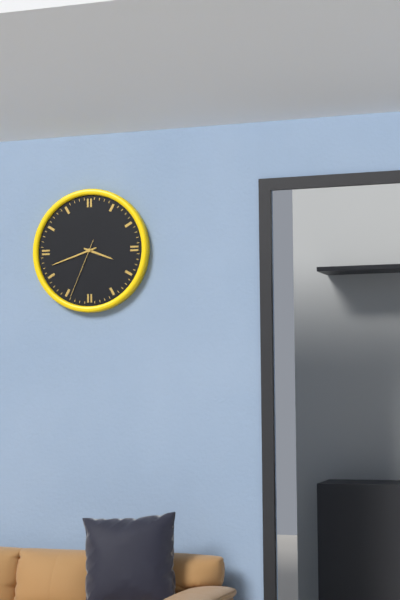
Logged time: h=3 m=42 s=34
